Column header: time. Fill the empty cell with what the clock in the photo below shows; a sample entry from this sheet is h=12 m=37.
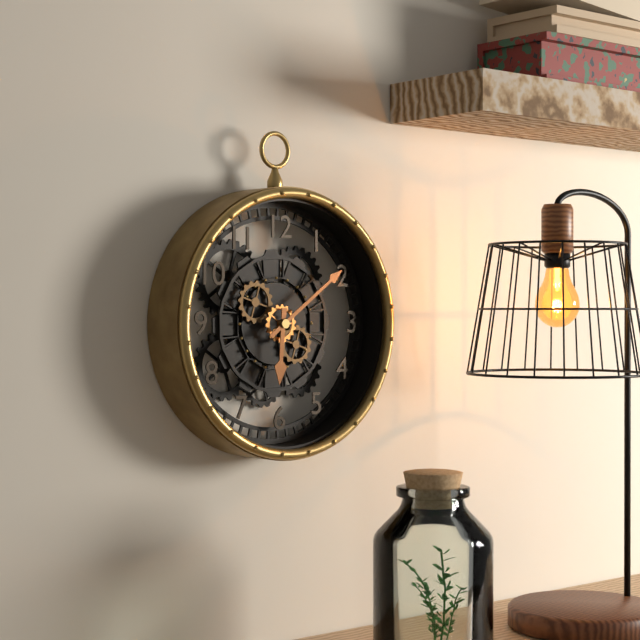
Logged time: h=6 m=9
